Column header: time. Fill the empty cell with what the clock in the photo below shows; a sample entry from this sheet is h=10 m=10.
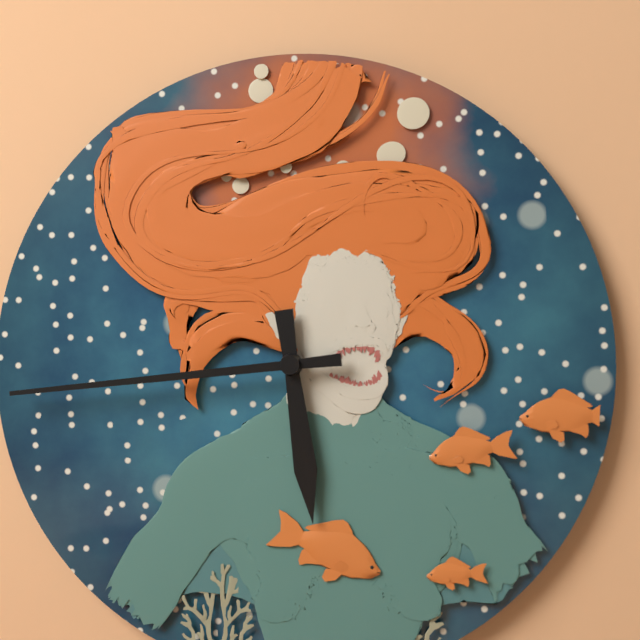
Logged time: h=5 m=44
